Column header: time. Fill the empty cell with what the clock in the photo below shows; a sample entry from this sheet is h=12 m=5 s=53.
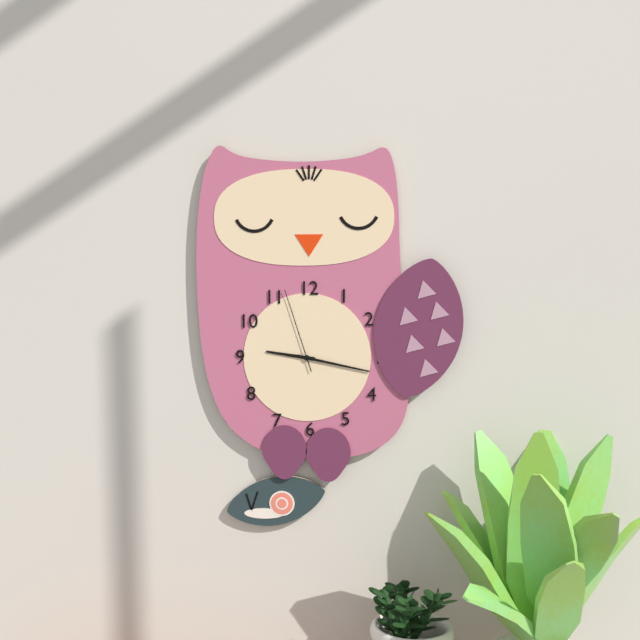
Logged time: h=9 m=17 s=57
